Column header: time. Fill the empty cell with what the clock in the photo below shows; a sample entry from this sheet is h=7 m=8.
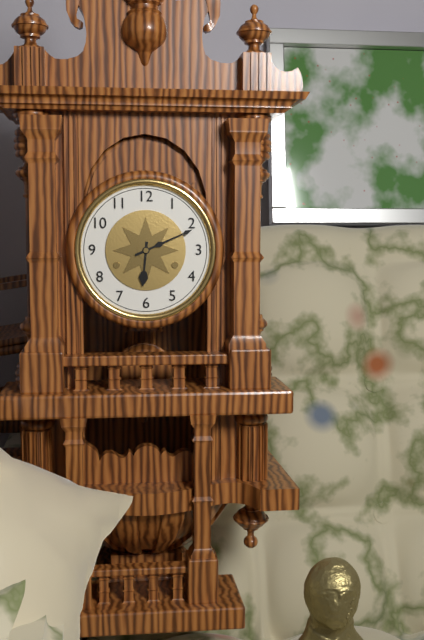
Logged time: h=6 m=11
